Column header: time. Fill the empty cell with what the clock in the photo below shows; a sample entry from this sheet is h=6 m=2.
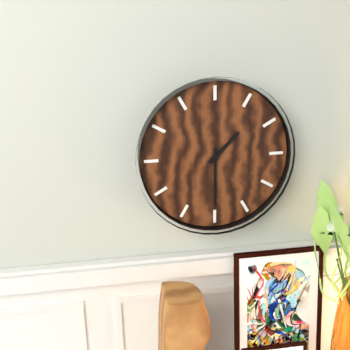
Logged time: h=1 m=30
